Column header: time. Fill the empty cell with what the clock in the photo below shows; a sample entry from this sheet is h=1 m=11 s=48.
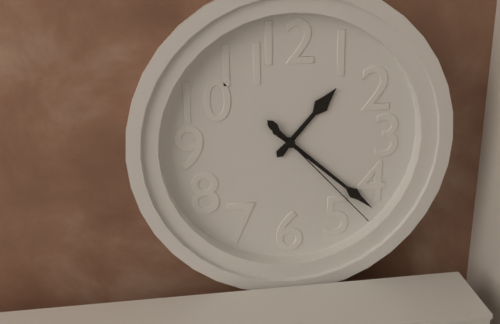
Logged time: h=1 m=22 s=23
